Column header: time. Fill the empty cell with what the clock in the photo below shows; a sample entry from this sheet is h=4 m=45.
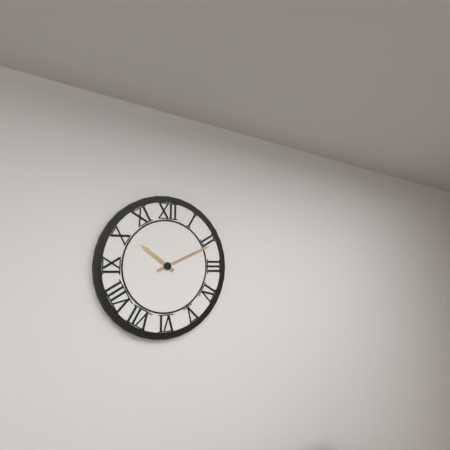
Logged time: h=10 m=11
